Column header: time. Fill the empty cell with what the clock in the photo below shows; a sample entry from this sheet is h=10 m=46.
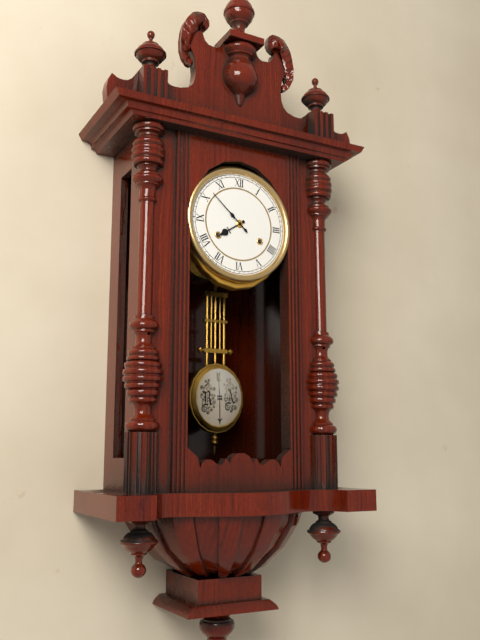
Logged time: h=7 m=52
